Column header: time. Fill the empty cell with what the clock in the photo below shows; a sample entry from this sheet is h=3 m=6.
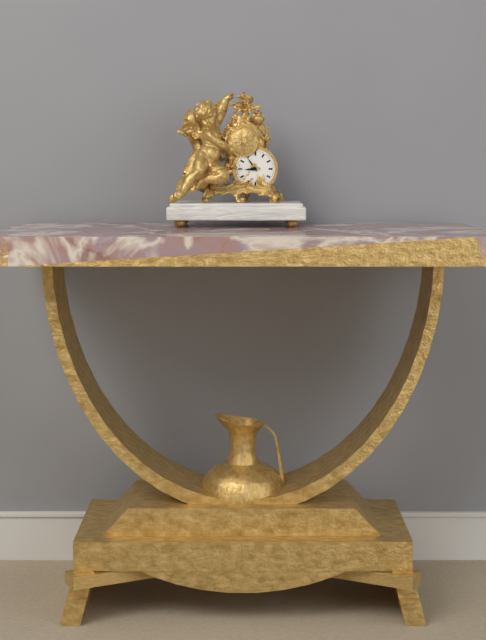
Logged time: h=8 m=54
